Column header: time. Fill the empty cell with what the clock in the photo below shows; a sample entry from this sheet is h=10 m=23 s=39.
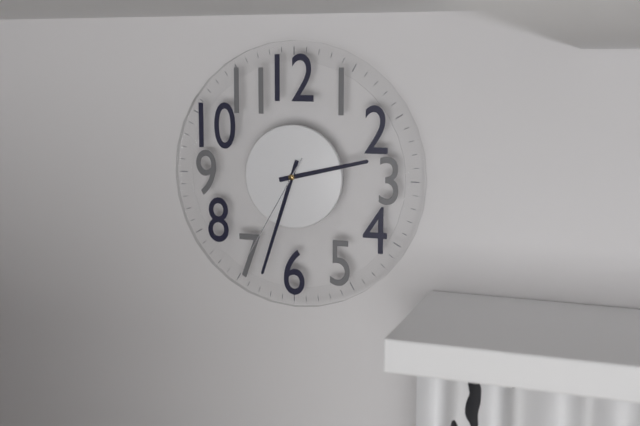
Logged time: h=2 m=33 s=35
